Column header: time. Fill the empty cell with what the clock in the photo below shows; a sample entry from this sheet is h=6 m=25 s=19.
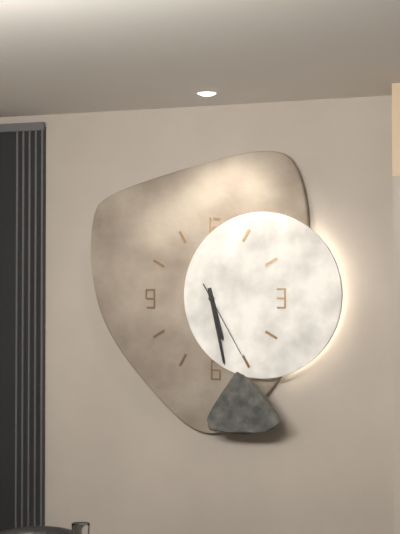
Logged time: h=5 m=28 s=25
